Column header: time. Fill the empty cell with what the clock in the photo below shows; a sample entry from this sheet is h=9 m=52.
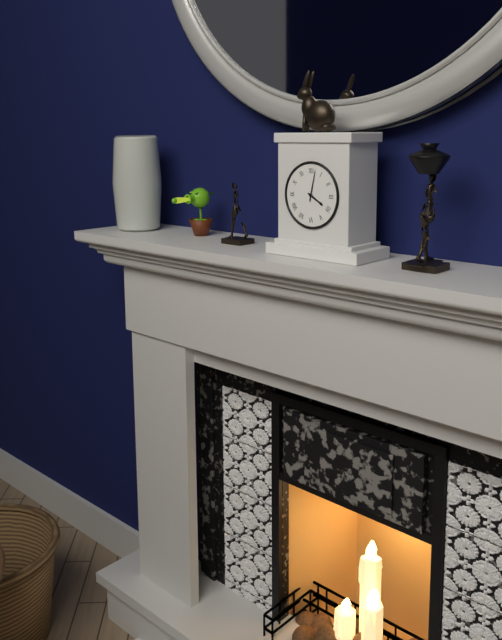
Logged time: h=4 m=2
